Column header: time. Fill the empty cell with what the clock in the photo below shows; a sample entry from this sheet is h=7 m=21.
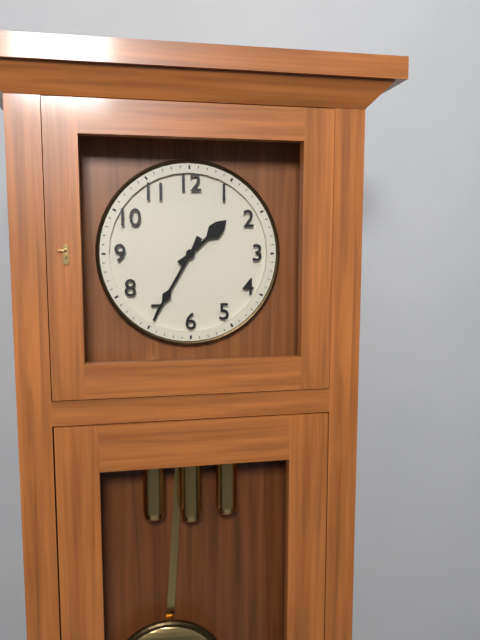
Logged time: h=1 m=35
